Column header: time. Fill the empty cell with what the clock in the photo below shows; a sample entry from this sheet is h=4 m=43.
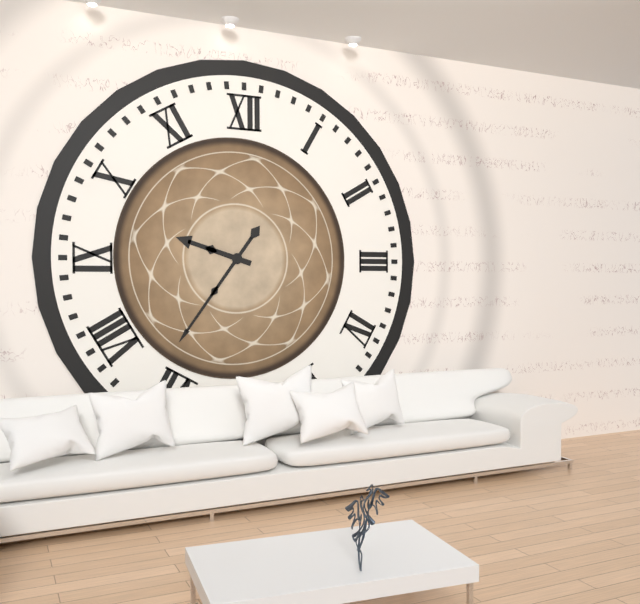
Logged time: h=9 m=36
